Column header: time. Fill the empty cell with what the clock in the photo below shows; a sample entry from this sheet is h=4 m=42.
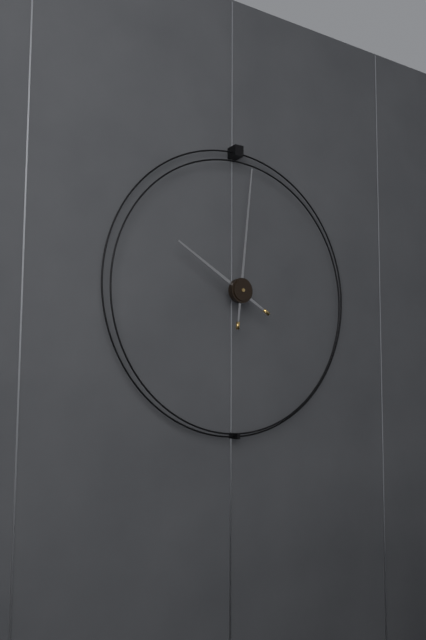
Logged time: h=10 m=1
